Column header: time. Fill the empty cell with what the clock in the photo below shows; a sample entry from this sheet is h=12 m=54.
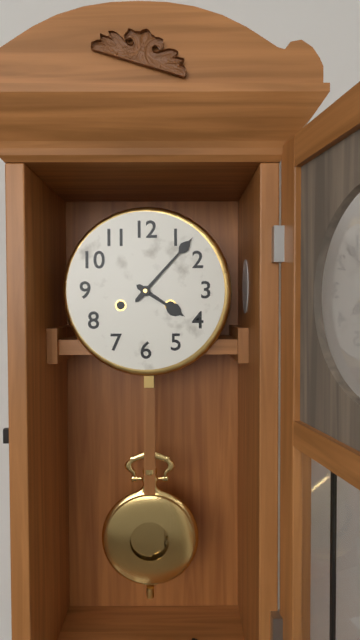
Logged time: h=4 m=7
